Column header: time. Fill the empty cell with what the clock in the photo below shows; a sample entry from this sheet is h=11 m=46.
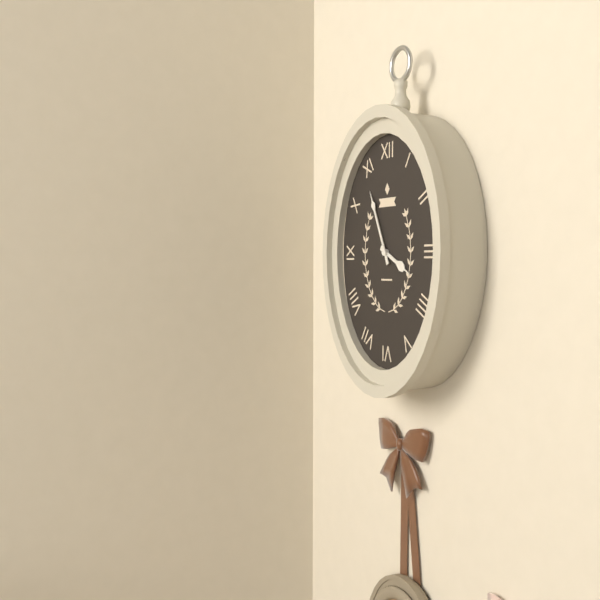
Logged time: h=3 m=56
